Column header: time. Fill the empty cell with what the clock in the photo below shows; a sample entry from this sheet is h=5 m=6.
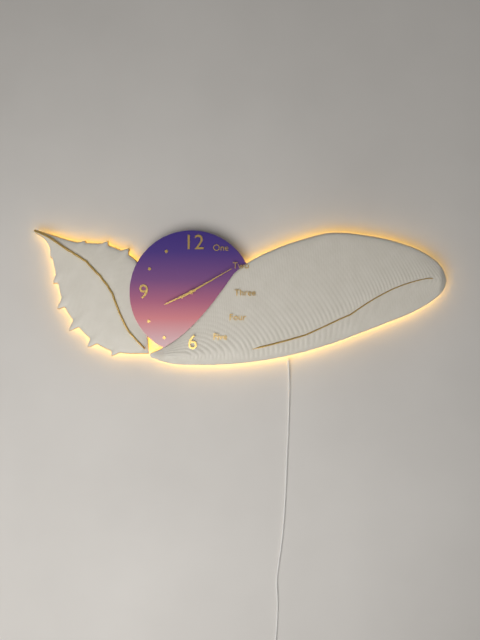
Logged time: h=8 m=10
